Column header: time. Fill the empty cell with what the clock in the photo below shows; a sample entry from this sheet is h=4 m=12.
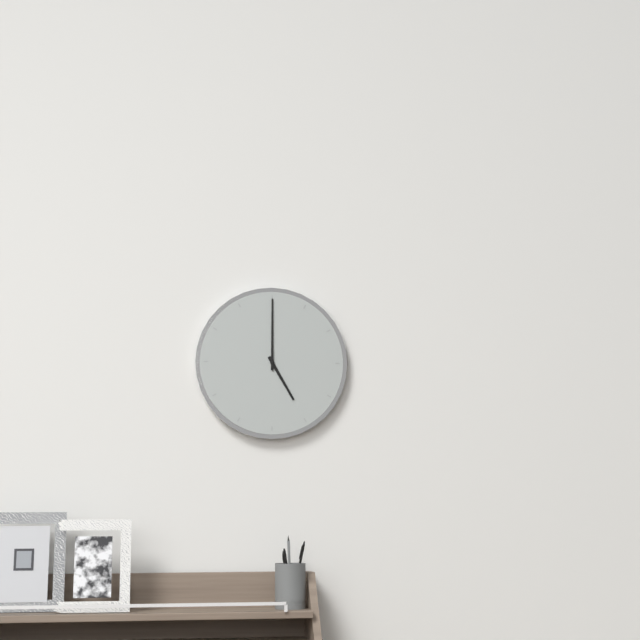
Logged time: h=5 m=0
